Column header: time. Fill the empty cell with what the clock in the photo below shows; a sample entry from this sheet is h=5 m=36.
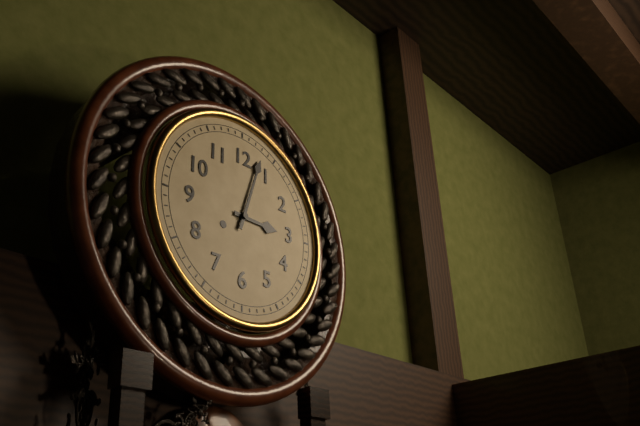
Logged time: h=3 m=3
